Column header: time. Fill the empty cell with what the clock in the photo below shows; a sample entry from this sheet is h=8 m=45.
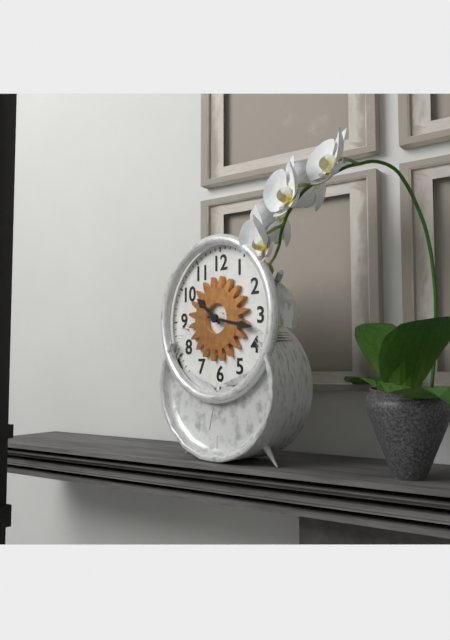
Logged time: h=10 m=17
